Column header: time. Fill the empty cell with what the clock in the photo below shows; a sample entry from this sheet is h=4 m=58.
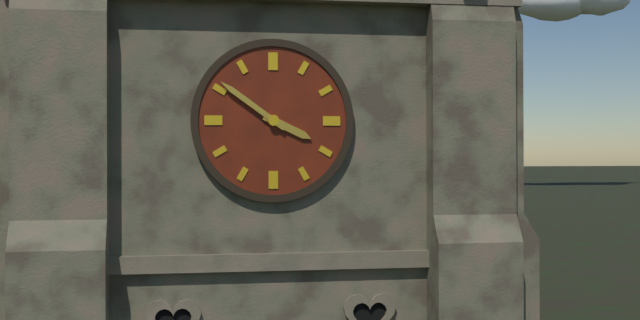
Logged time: h=3 m=51
